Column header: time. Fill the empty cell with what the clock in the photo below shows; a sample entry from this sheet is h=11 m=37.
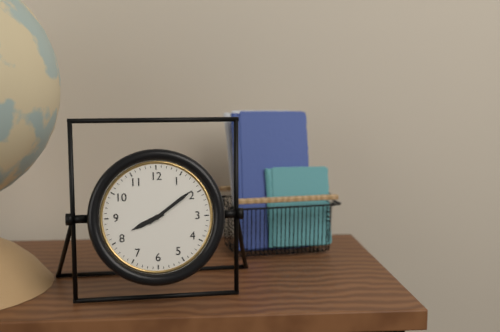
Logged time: h=8 m=9
